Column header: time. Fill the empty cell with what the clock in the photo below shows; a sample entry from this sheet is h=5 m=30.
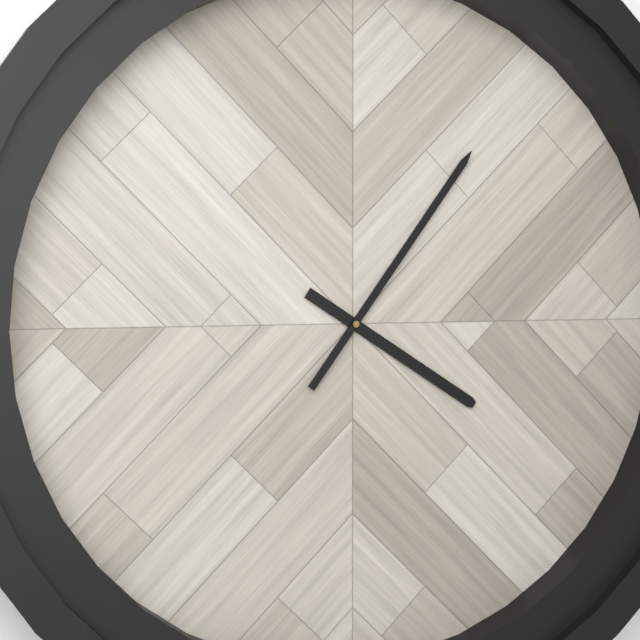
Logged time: h=4 m=6
